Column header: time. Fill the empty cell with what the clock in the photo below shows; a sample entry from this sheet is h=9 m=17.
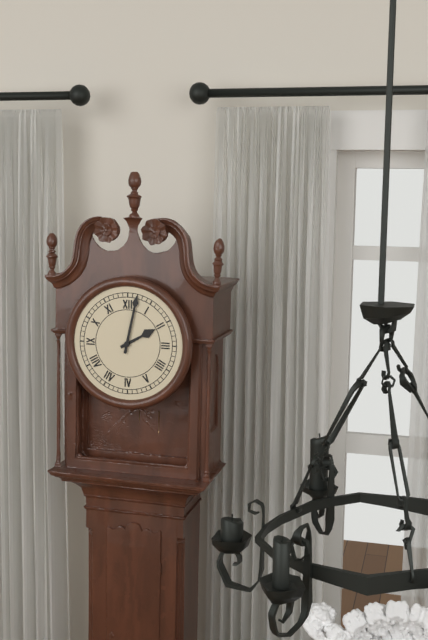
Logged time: h=2 m=2
